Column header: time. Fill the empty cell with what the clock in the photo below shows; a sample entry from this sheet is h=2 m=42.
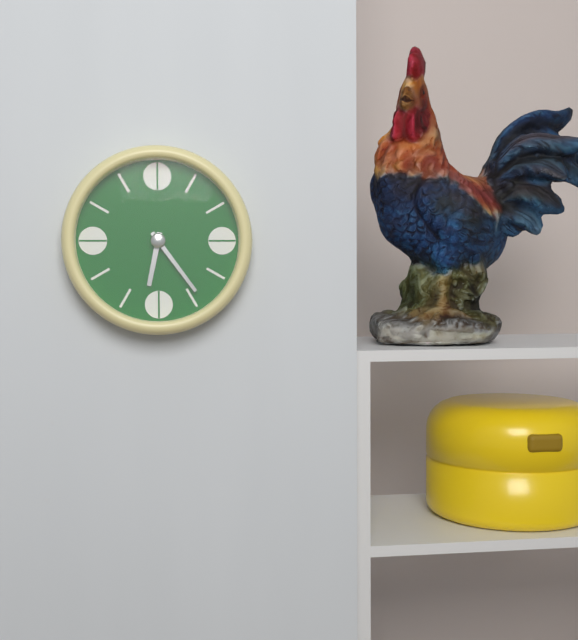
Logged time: h=6 m=24
